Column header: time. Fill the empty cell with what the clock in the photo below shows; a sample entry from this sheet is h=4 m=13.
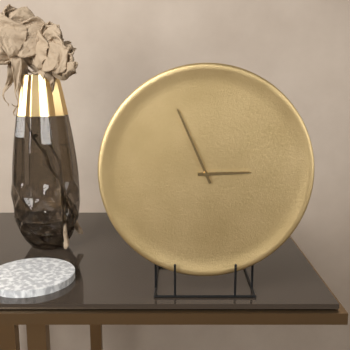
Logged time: h=2 m=56
